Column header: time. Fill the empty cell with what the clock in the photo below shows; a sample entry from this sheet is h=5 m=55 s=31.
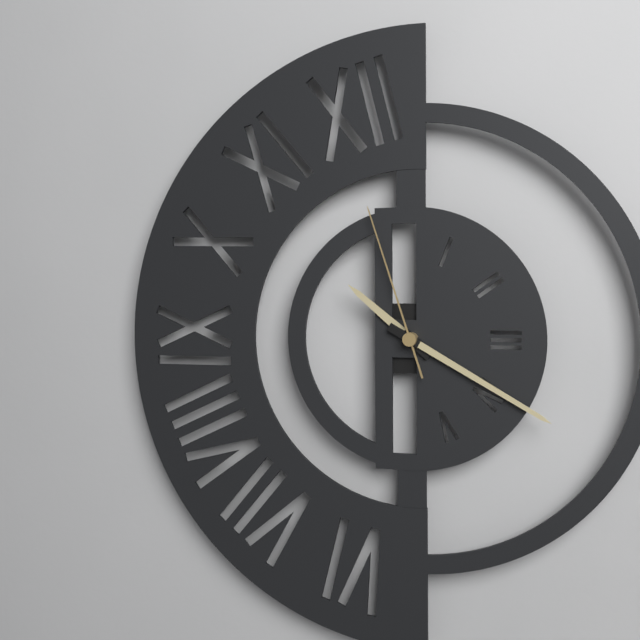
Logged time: h=10 m=20 s=57
